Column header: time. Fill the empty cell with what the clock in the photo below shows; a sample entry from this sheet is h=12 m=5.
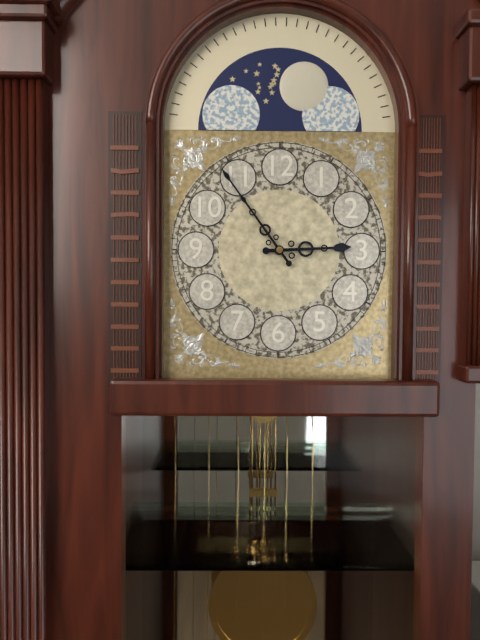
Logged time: h=2 m=54
